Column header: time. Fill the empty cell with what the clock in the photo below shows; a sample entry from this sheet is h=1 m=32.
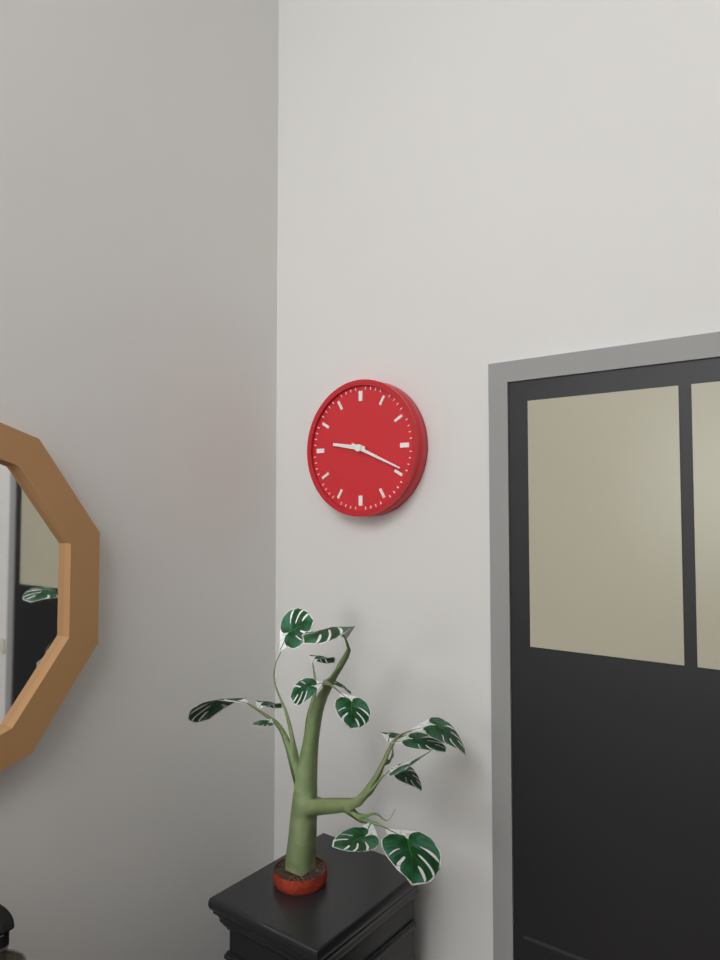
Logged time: h=9 m=19
